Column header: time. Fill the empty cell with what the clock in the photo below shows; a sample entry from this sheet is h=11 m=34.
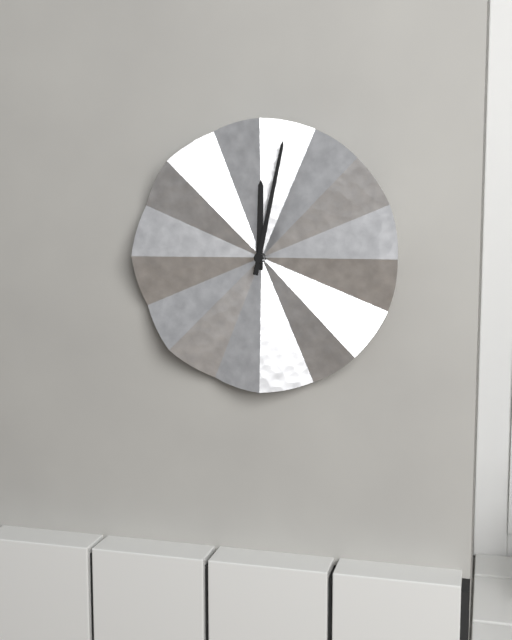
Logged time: h=12 m=2
